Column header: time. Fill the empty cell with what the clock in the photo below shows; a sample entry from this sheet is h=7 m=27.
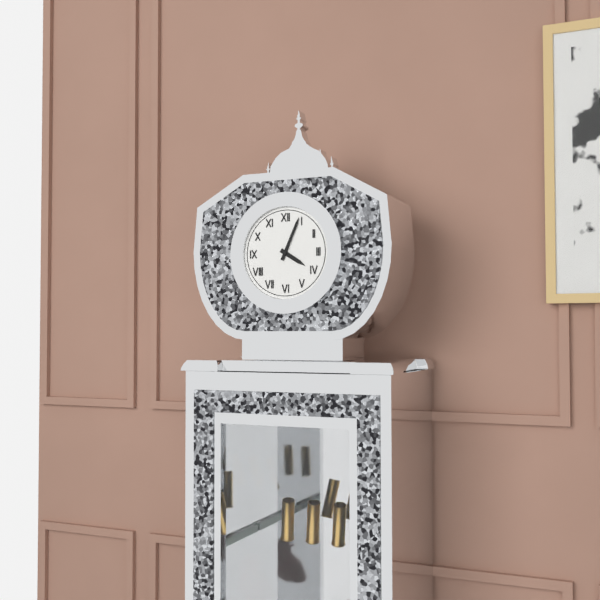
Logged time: h=4 m=4
